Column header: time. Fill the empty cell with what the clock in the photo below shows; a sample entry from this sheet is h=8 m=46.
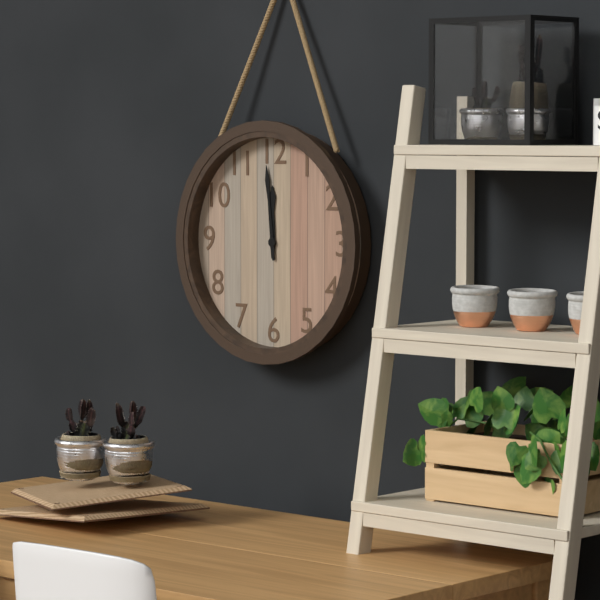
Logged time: h=11 m=59
